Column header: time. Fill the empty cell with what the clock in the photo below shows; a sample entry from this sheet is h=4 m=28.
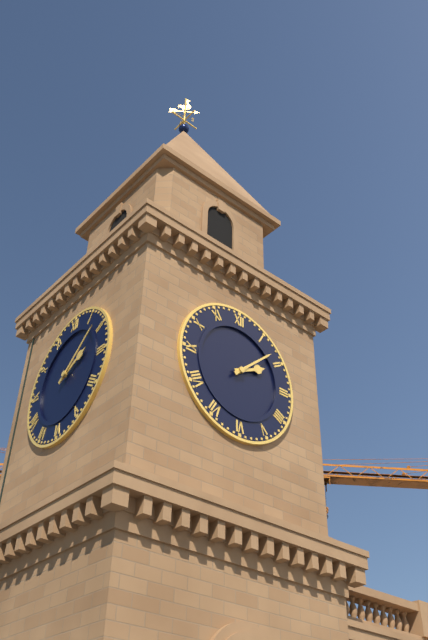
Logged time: h=2 m=8
